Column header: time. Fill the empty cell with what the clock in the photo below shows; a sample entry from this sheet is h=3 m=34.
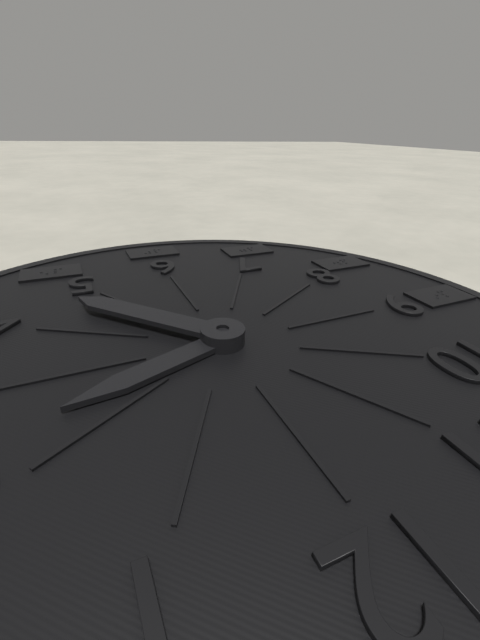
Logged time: h=2 m=23
